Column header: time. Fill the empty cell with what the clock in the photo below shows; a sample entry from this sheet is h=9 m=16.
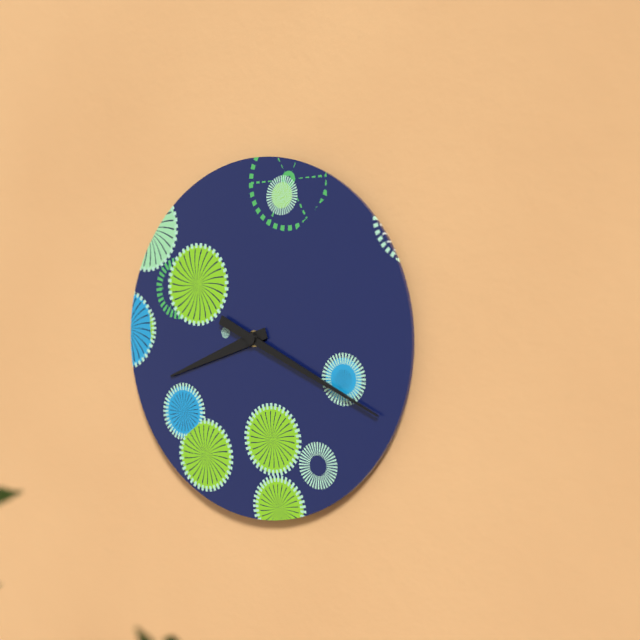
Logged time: h=8 m=19
